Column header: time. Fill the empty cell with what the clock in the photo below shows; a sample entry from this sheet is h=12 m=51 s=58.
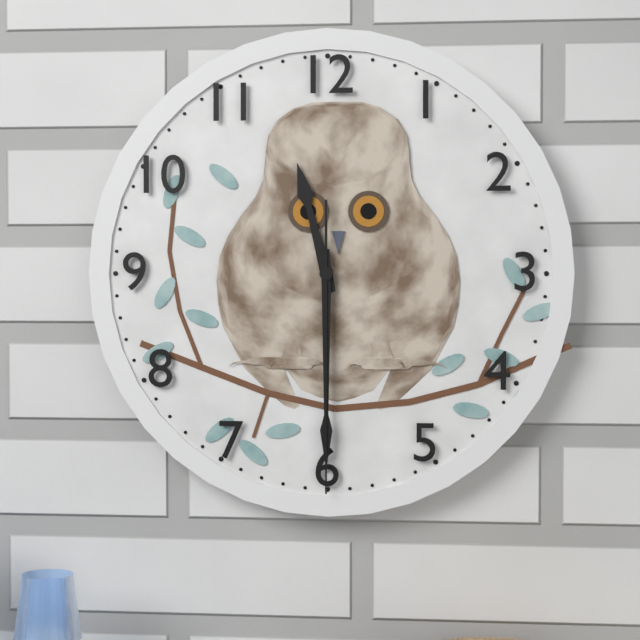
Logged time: h=11 m=30 s=30
